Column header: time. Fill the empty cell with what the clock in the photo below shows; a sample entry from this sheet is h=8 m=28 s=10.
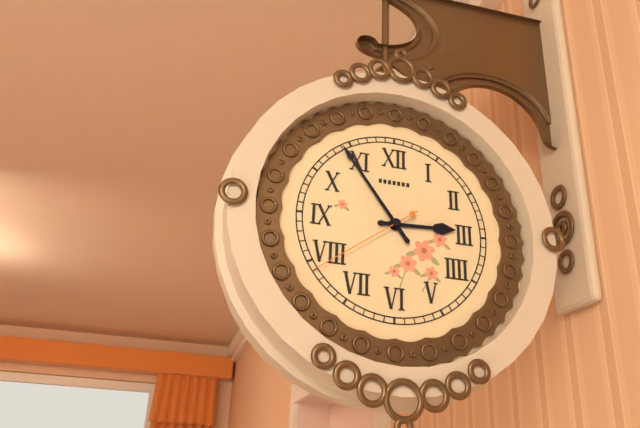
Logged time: h=2 m=54 s=39
